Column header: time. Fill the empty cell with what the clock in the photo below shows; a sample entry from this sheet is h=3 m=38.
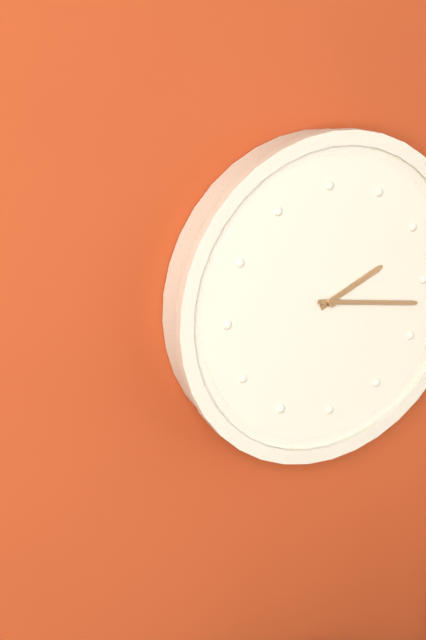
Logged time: h=2 m=17
